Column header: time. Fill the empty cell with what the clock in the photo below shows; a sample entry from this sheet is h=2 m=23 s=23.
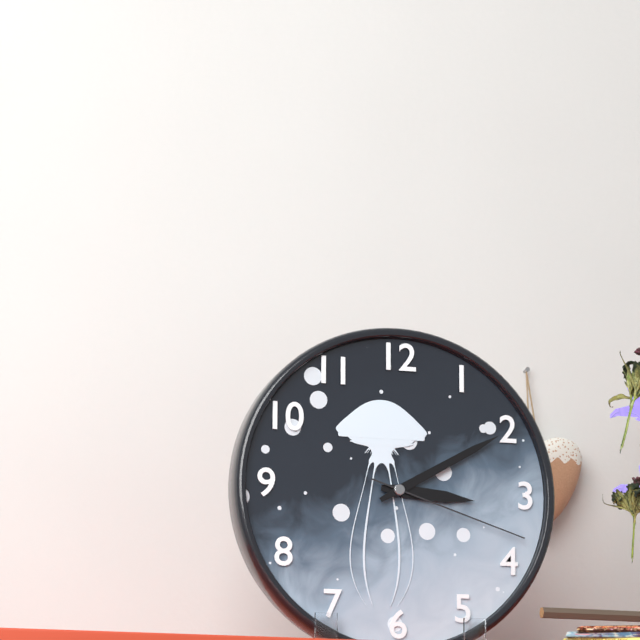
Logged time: h=3 m=10 s=18
